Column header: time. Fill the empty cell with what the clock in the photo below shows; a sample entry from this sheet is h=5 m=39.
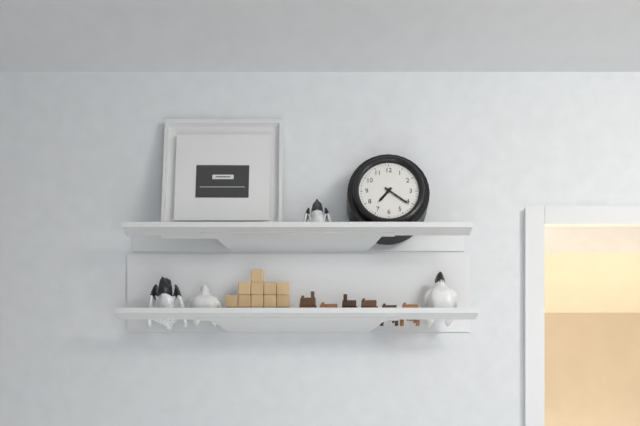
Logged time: h=7 m=21
